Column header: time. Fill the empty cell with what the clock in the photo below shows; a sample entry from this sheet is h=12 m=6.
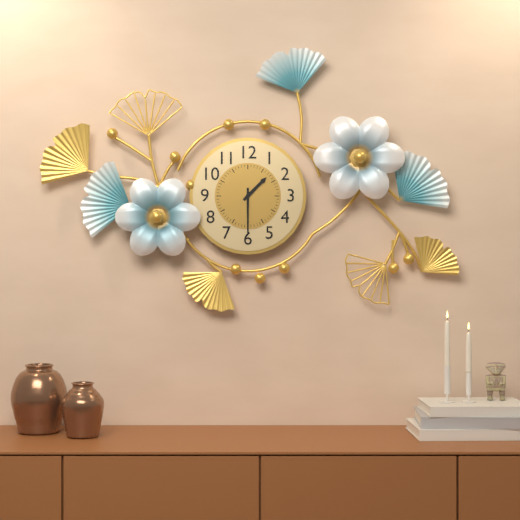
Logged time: h=1 m=30
